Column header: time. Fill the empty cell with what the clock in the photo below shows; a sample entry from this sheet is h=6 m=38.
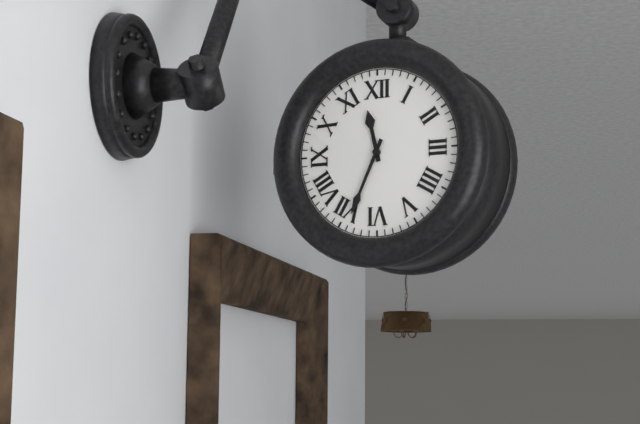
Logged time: h=11 m=34
